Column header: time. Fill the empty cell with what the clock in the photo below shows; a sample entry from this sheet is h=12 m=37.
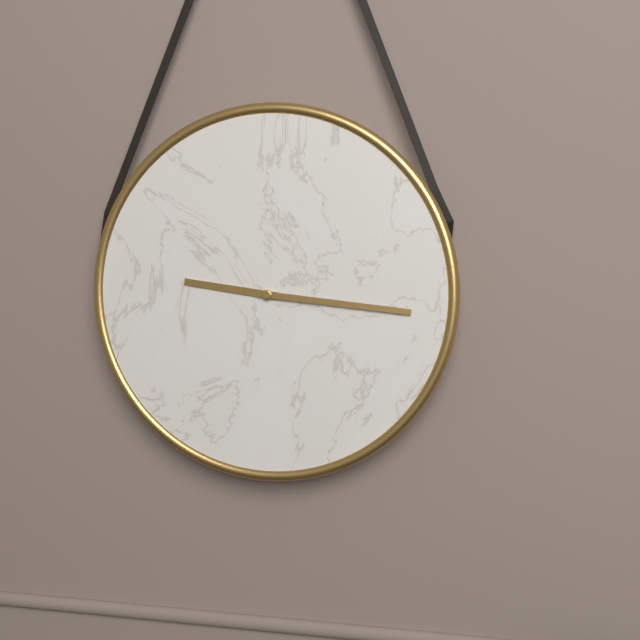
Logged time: h=9 m=16
